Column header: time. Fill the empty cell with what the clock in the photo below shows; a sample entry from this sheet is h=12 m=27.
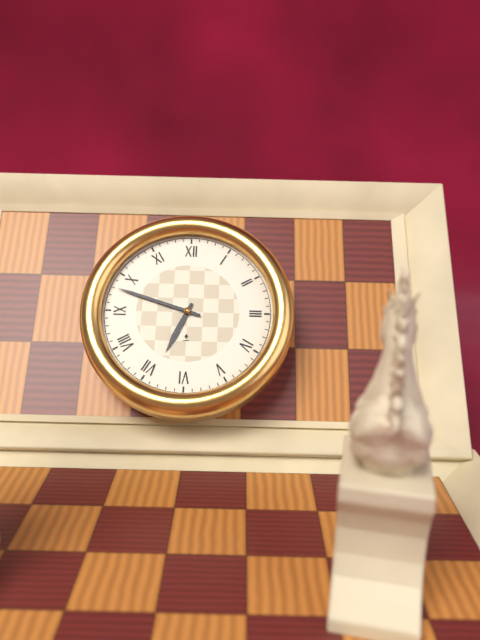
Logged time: h=6 m=48
